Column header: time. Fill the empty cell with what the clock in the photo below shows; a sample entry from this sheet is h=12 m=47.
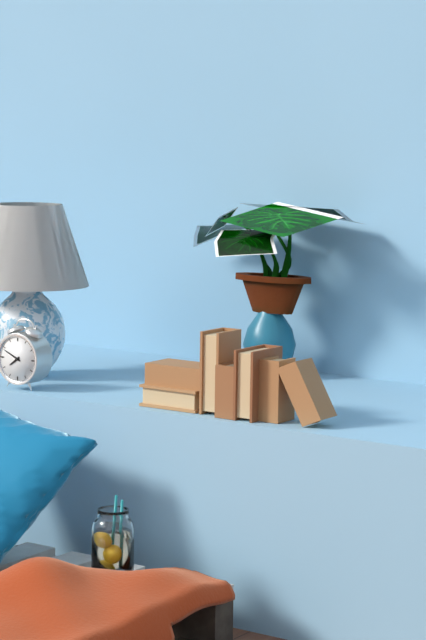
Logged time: h=7 m=49
